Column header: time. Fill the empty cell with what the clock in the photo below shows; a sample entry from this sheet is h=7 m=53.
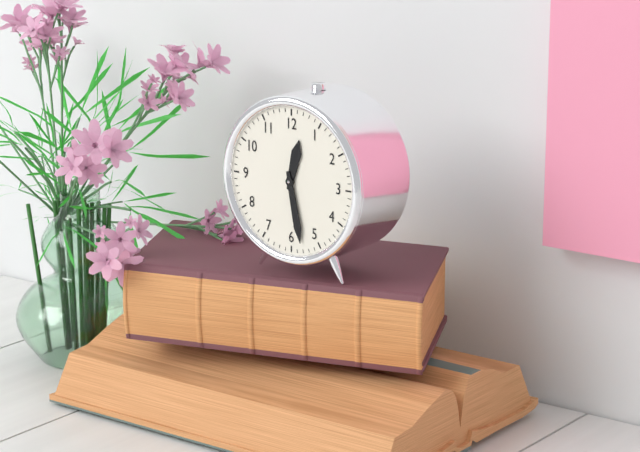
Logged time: h=12 m=28
